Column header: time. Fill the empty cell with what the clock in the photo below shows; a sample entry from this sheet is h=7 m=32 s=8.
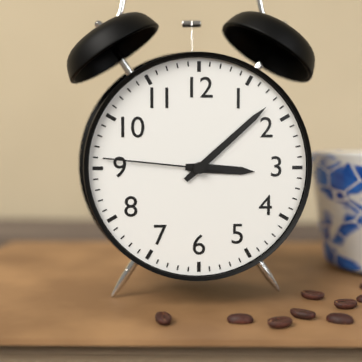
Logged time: h=3 m=8 s=46
